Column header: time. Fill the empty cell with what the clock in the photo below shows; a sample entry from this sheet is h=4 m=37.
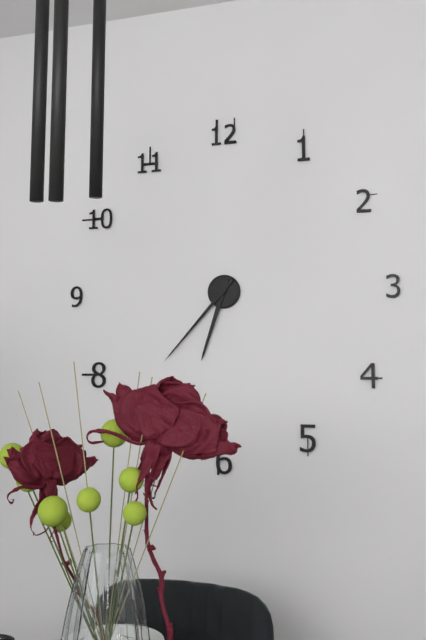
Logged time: h=6 m=37
